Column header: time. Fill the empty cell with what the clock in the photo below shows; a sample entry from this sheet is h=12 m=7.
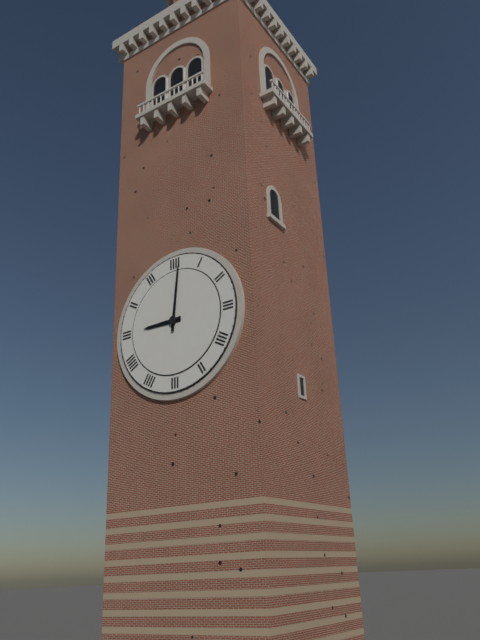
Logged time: h=9 m=1
